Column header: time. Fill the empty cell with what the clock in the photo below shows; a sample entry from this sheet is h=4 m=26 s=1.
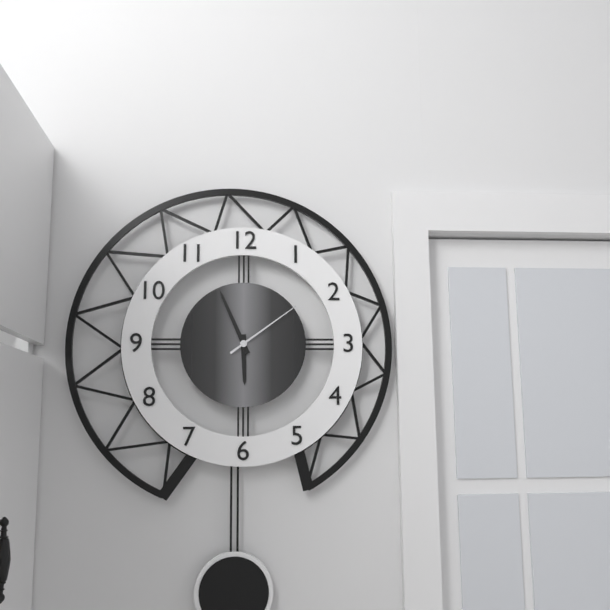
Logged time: h=5 m=56 s=9
